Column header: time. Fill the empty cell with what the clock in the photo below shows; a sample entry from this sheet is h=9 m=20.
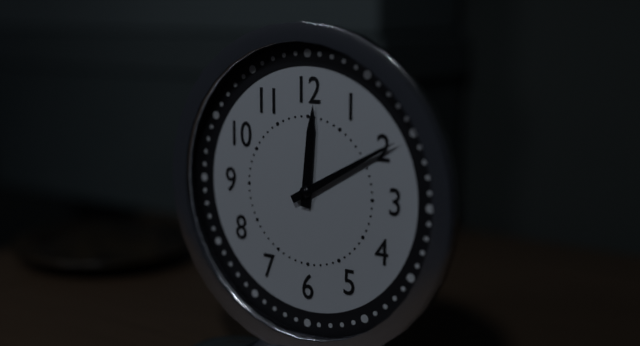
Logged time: h=12 m=10
